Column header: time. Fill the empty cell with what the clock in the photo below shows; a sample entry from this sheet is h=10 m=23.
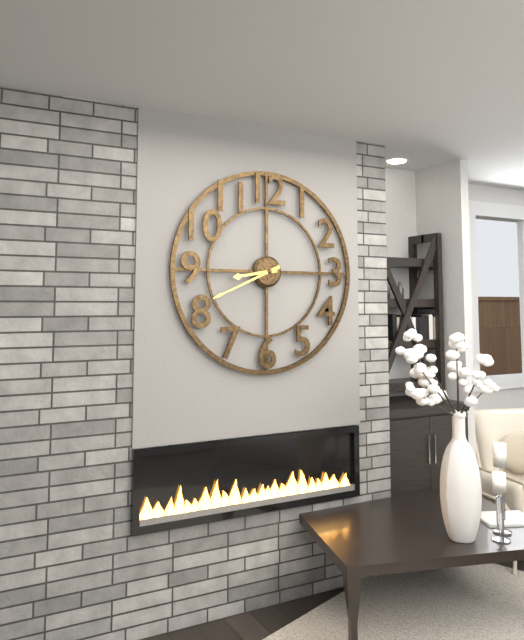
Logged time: h=8 m=41
